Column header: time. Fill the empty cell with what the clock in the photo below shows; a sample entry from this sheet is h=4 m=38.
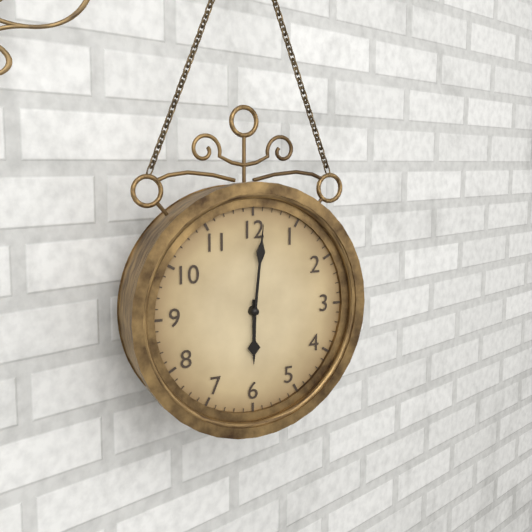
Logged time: h=6 m=1
